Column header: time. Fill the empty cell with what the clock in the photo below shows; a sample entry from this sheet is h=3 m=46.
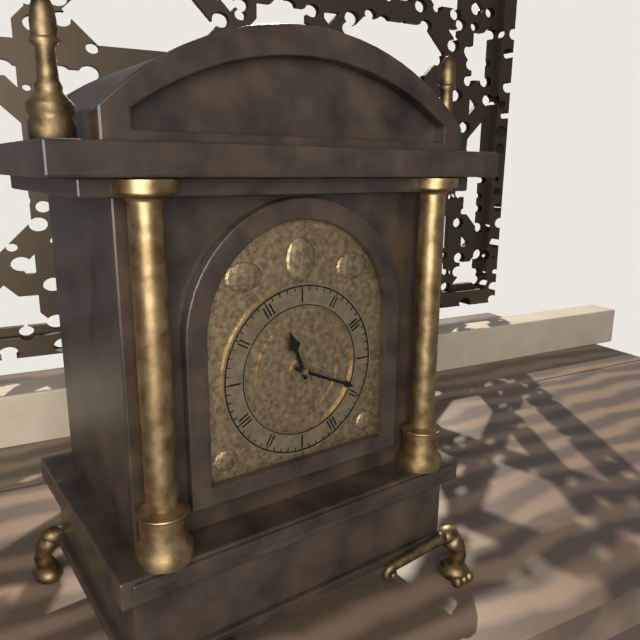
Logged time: h=11 m=19
